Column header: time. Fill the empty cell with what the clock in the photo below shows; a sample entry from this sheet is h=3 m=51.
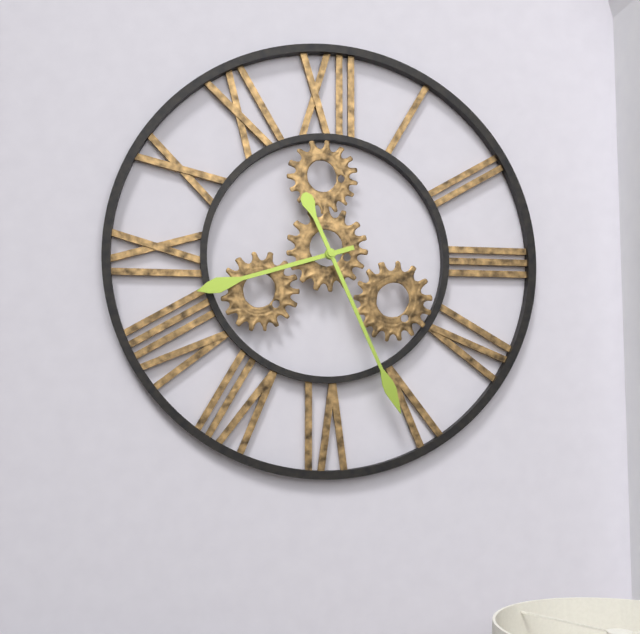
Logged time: h=8 m=26
